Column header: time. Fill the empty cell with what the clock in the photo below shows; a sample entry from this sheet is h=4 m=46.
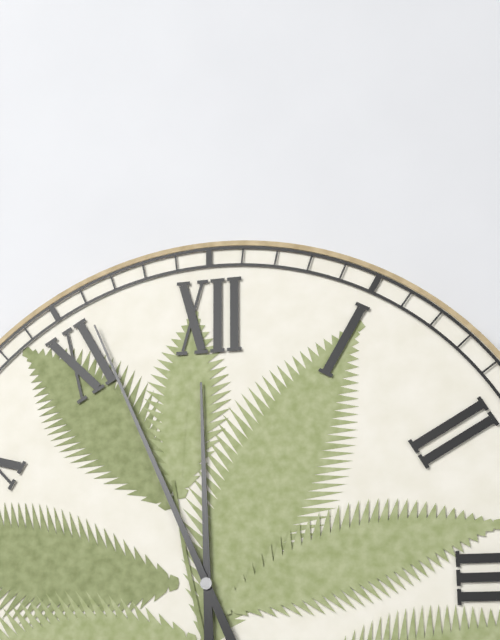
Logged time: h=11 m=56
